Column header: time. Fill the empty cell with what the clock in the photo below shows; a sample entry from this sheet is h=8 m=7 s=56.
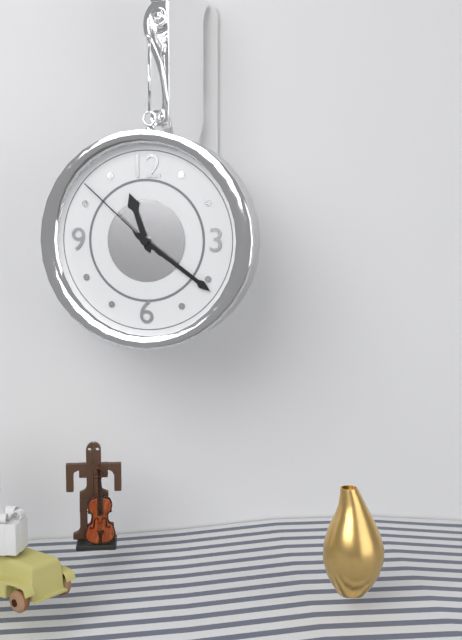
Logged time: h=11 m=21 s=52
